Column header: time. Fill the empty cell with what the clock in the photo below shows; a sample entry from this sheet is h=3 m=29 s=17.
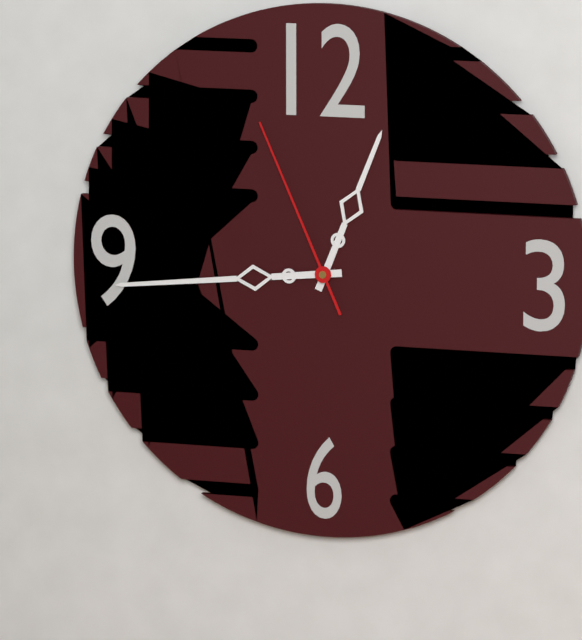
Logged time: h=12 m=44 s=56
